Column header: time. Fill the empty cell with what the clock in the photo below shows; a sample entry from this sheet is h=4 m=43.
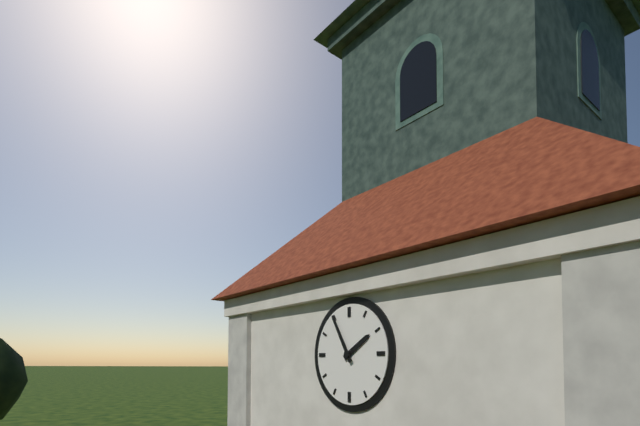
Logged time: h=1 m=55
